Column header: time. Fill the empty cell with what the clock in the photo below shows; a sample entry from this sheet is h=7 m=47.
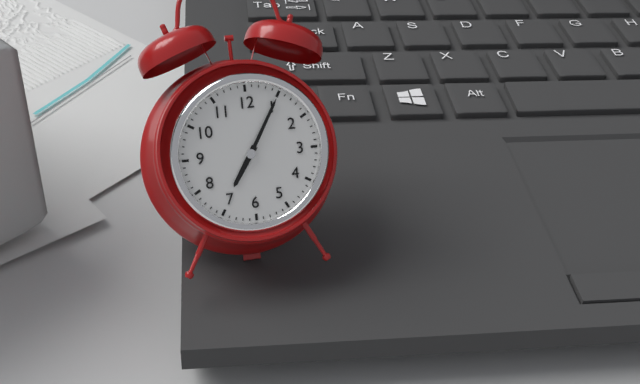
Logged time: h=7 m=5
